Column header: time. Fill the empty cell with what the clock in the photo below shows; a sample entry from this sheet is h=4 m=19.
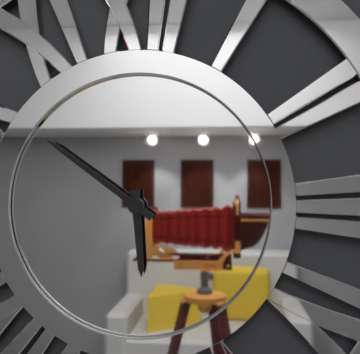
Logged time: h=5 m=51
